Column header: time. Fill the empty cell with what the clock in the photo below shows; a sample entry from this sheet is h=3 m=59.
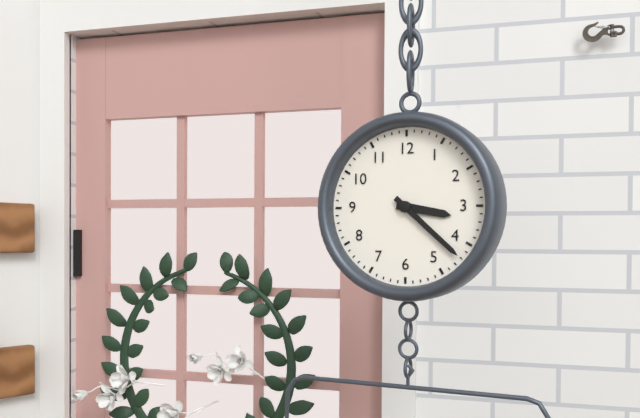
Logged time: h=3 m=22
